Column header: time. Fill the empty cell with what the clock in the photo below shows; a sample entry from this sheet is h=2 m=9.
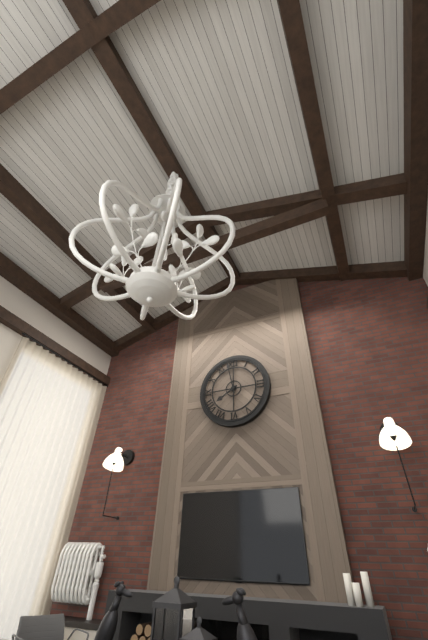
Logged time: h=7 m=58
